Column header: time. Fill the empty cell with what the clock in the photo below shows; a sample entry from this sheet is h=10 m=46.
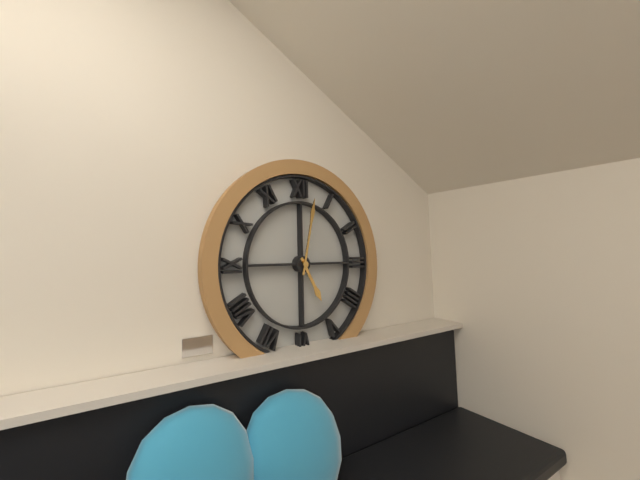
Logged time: h=5 m=2
